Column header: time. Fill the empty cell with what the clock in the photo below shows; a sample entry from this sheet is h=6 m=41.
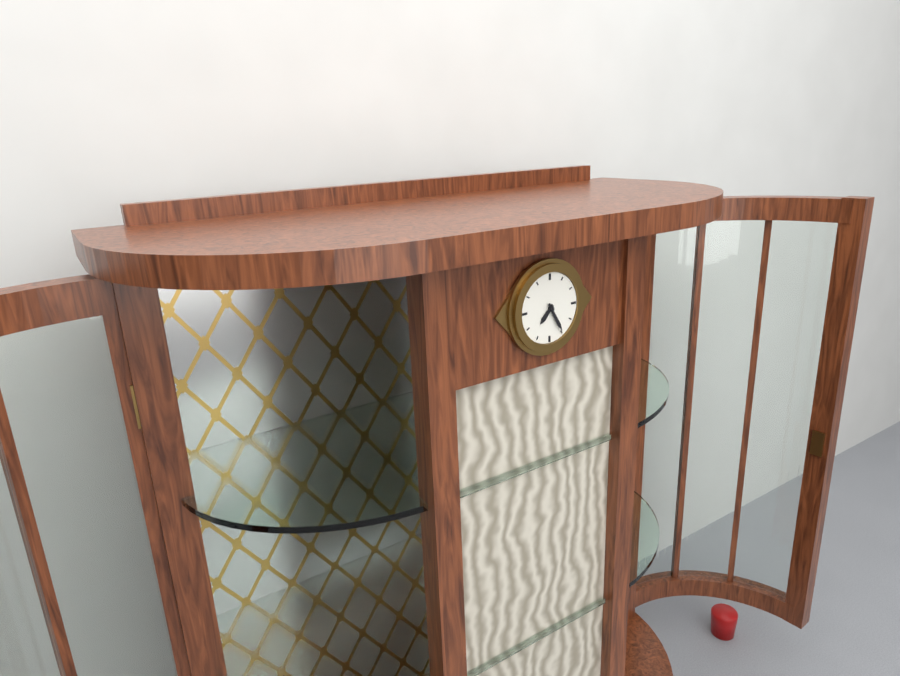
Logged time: h=7 m=25
